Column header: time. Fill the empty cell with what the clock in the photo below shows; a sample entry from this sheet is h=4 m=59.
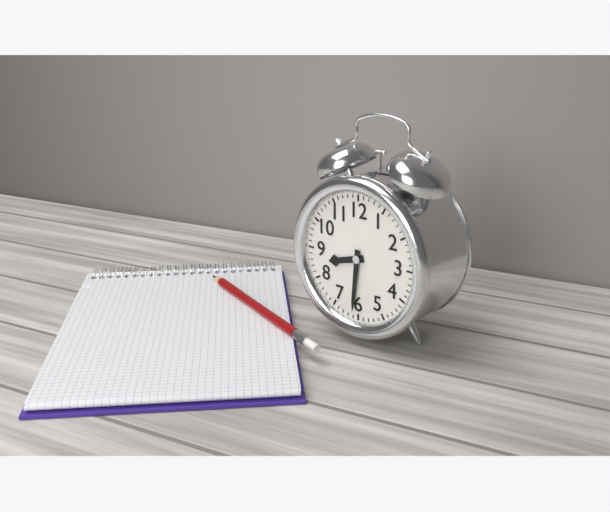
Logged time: h=8 m=31
